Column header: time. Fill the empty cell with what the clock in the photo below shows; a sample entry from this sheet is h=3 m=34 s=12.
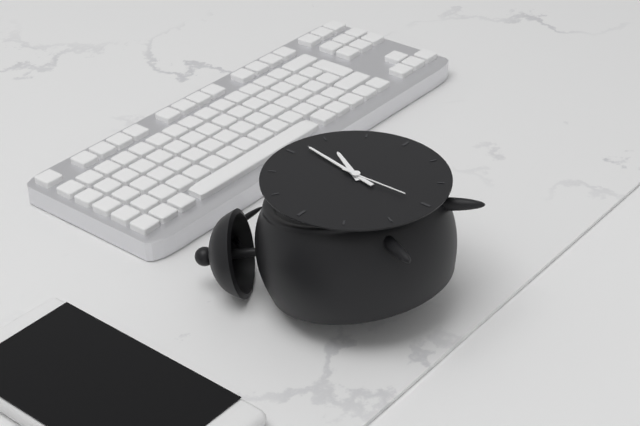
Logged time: h=1 m=2 s=30
